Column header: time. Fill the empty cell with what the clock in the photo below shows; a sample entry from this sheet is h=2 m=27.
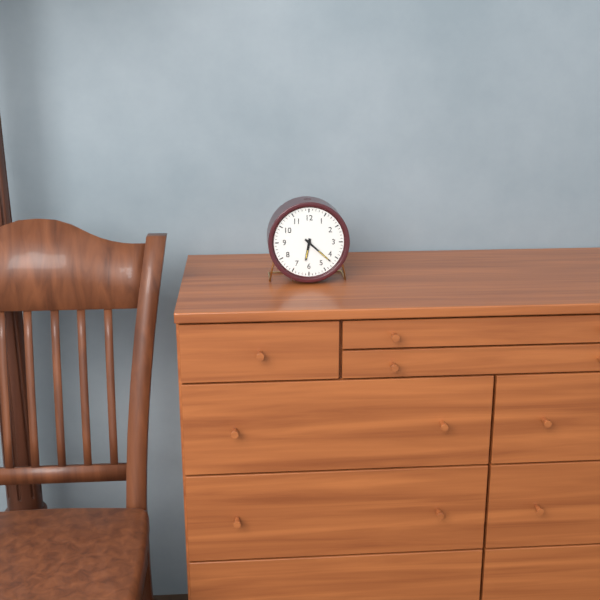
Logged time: h=6 m=22
